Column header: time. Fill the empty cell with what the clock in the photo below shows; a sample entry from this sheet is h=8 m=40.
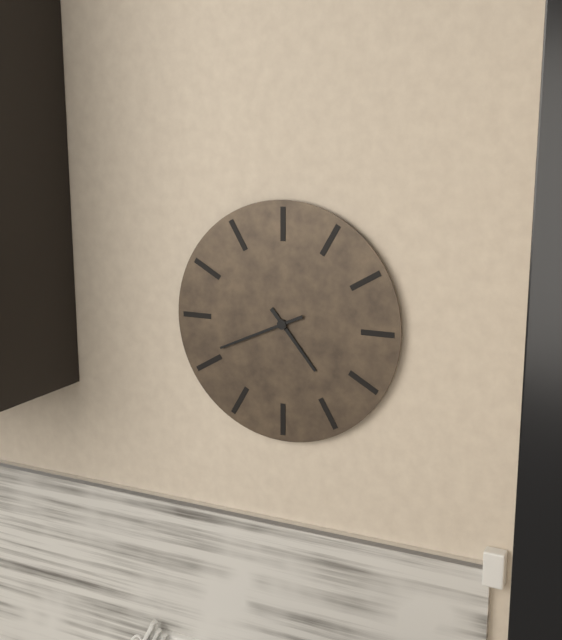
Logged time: h=4 m=41
